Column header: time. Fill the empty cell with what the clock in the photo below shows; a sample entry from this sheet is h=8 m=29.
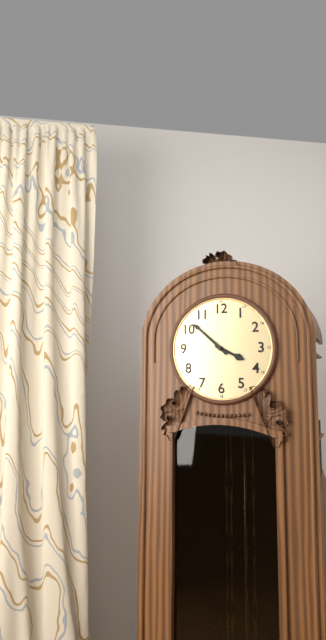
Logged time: h=3 m=52
